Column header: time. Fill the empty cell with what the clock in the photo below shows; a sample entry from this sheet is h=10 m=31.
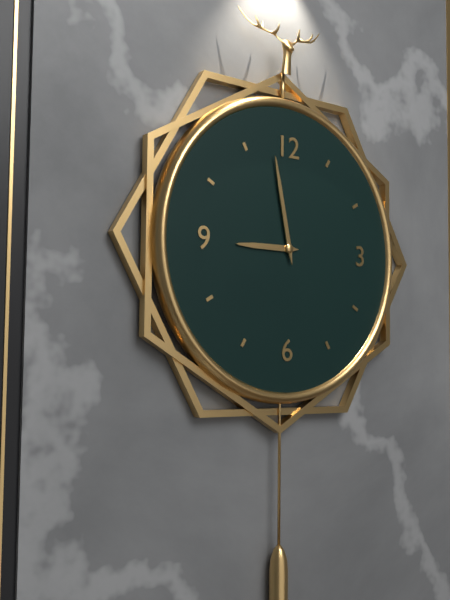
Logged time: h=8 m=58
